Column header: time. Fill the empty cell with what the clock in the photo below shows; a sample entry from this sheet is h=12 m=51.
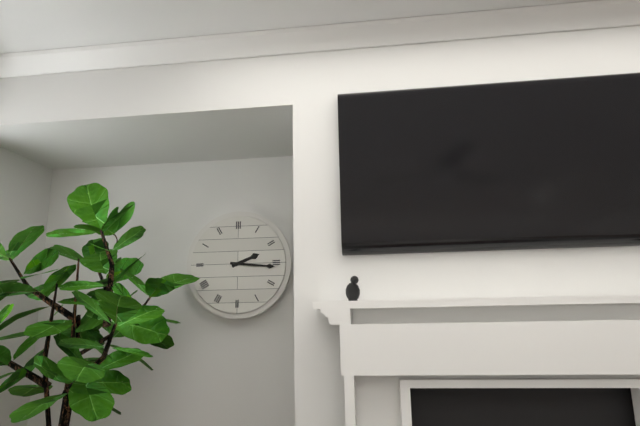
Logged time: h=2 m=16
